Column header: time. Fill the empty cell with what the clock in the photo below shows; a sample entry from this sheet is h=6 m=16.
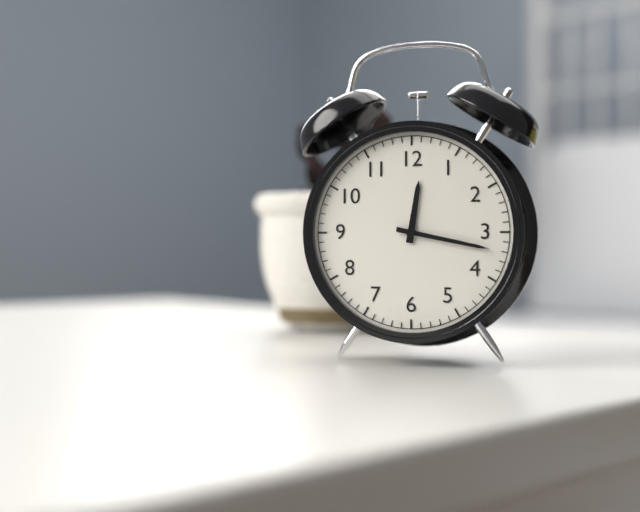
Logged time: h=12 m=17
